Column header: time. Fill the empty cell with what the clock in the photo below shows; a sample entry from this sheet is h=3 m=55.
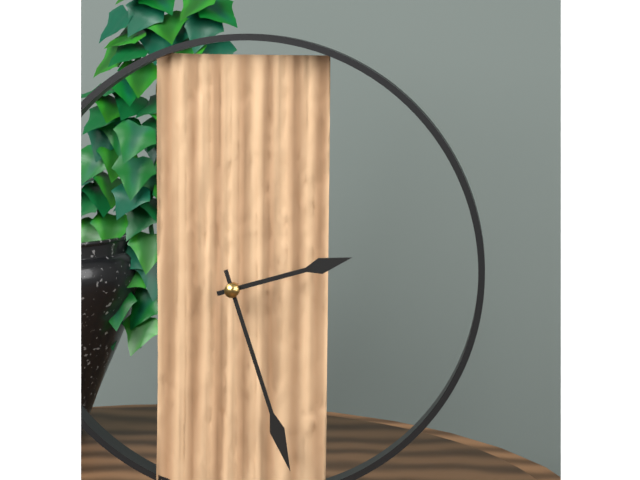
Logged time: h=2 m=27
